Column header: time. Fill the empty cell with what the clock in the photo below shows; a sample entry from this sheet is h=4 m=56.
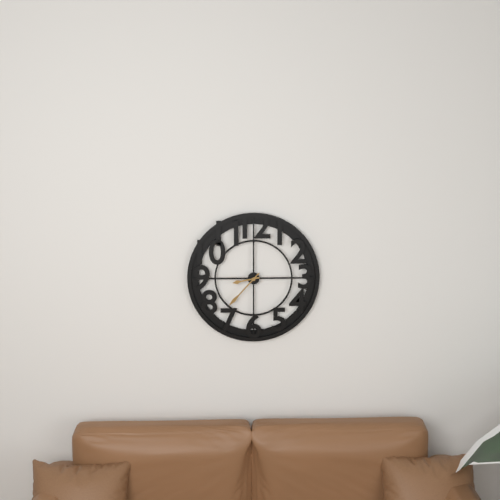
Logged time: h=8 m=37
